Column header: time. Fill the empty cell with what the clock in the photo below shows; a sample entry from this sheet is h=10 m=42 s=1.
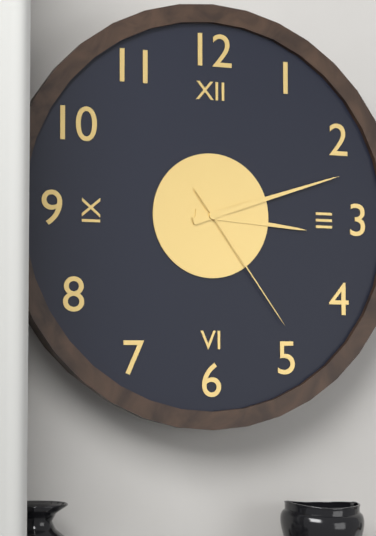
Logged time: h=3 m=12 s=24
